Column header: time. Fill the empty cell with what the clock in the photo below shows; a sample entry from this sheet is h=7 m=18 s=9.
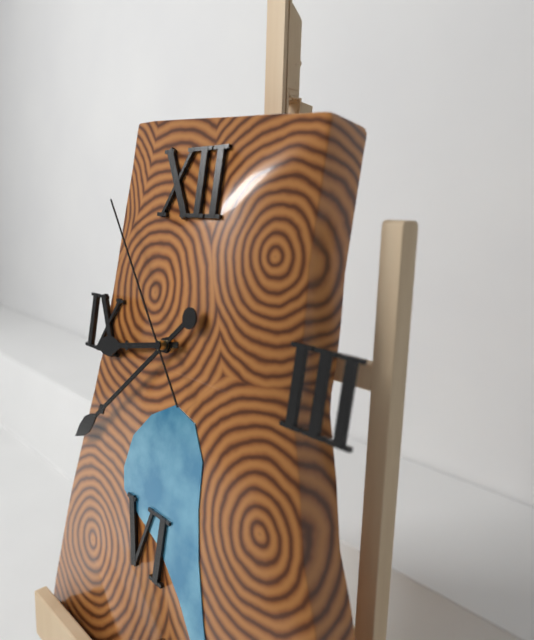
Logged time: h=8 m=38 s=53
